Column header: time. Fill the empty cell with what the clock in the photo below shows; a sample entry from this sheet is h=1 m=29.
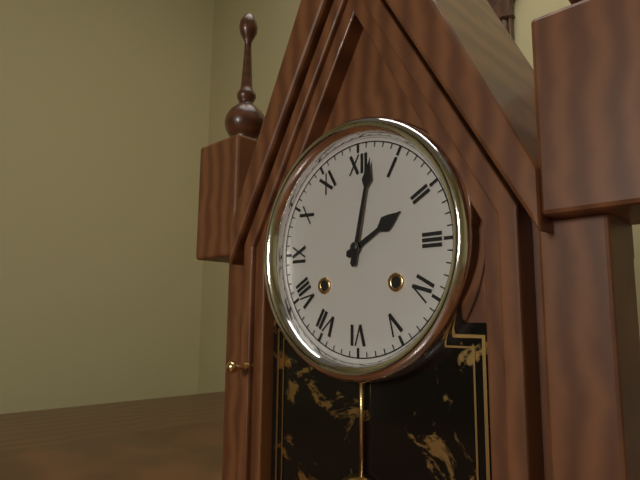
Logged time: h=2 m=2
